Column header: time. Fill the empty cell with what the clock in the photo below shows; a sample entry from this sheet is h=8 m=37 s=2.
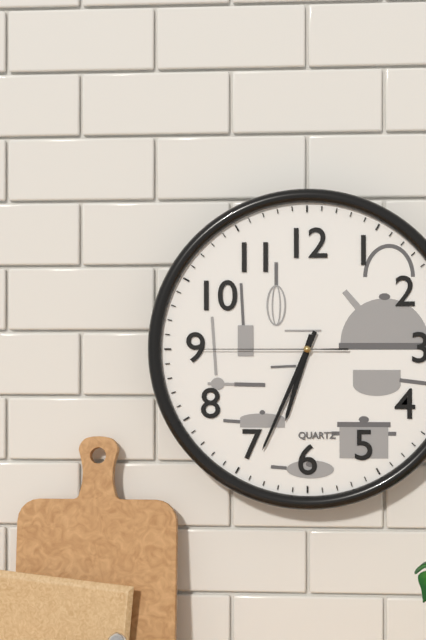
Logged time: h=6 m=34 s=45
